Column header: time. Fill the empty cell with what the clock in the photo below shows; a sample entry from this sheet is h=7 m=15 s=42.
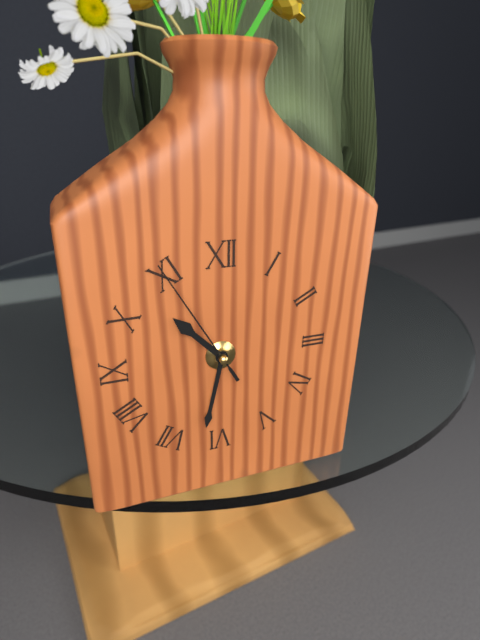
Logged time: h=10 m=32 s=55
